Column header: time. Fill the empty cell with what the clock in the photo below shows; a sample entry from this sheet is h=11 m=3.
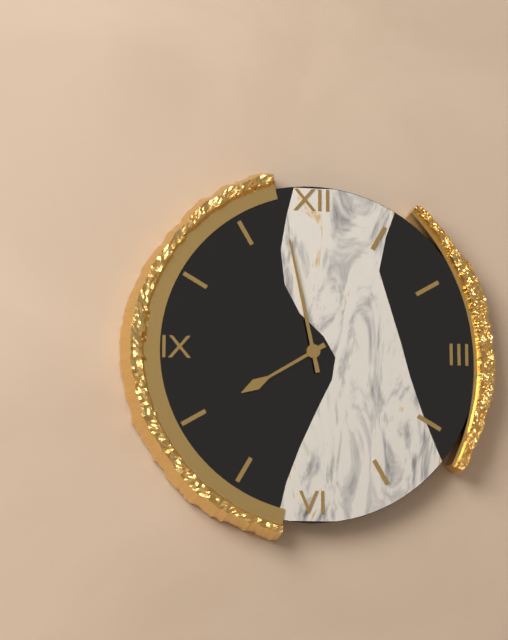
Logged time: h=7 m=58
